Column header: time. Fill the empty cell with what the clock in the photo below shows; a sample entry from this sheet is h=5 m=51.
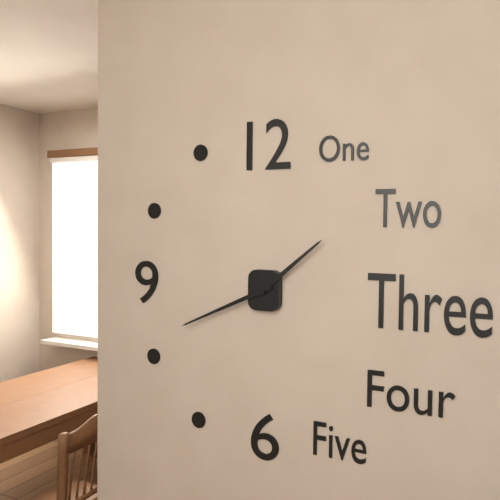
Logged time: h=1 m=41
